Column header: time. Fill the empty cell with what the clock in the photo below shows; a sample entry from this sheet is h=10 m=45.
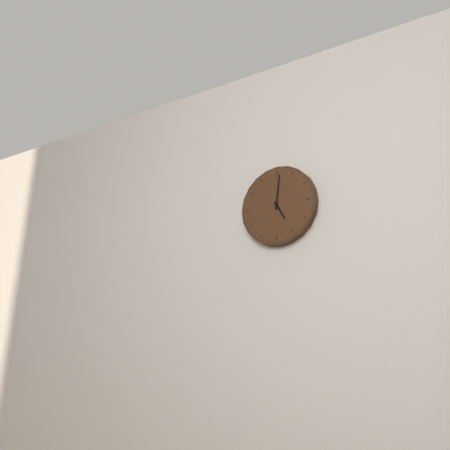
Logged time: h=5 m=1
